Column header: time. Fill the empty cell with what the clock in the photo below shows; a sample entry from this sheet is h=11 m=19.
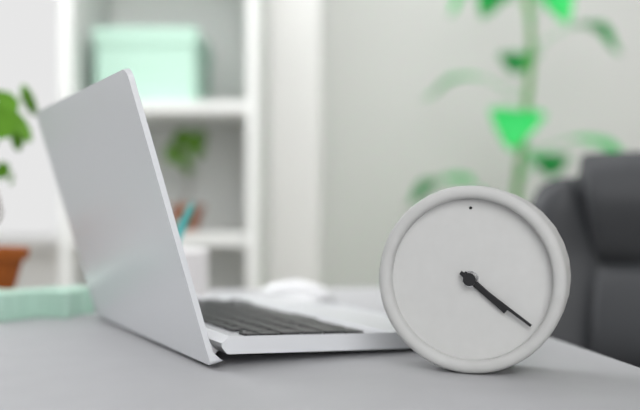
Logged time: h=4 m=21
